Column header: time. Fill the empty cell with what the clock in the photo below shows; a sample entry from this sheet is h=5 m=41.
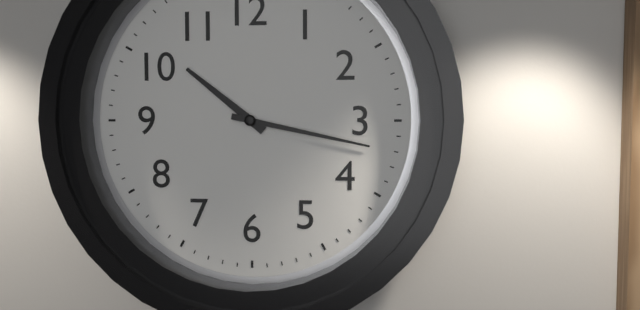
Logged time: h=10 m=17
